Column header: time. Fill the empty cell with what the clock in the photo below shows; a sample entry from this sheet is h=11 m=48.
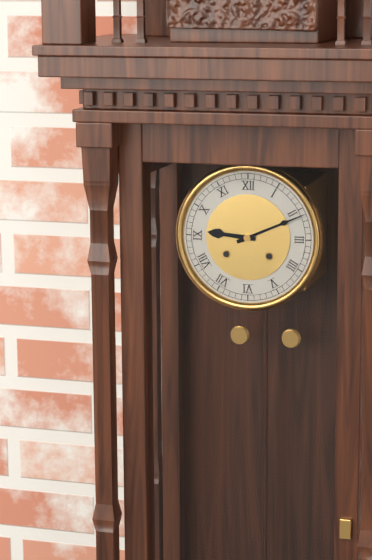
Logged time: h=9 m=11
